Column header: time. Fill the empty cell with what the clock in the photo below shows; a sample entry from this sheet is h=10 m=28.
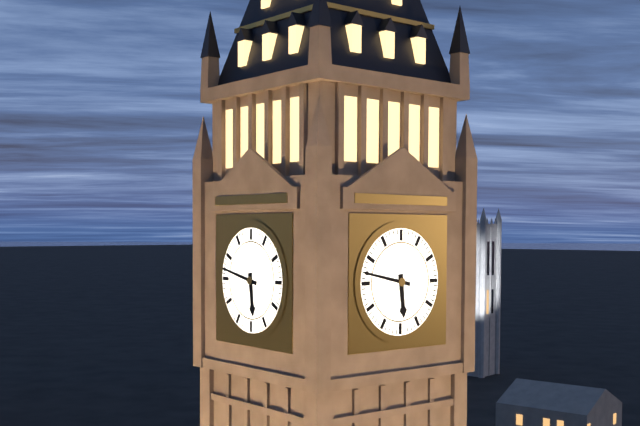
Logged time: h=5 m=47
